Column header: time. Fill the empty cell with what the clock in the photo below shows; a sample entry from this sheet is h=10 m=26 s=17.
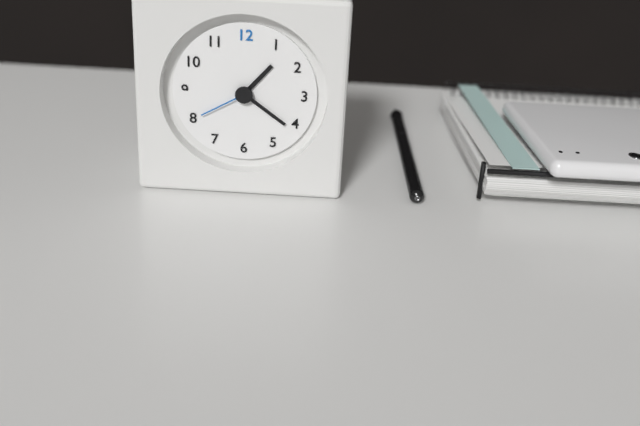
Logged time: h=1 m=21 s=40
